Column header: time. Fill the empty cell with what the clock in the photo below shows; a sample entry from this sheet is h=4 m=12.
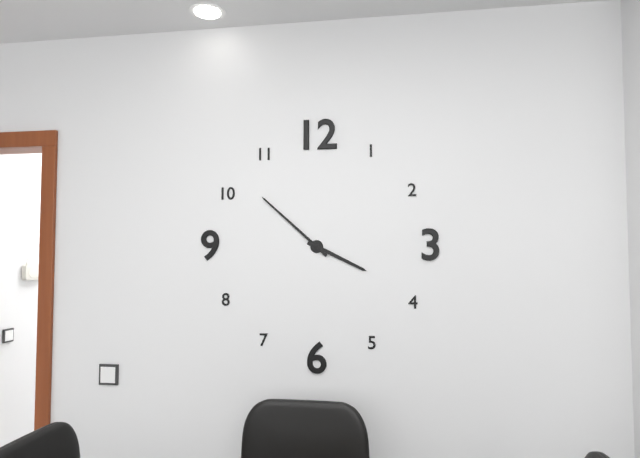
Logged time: h=3 m=52
